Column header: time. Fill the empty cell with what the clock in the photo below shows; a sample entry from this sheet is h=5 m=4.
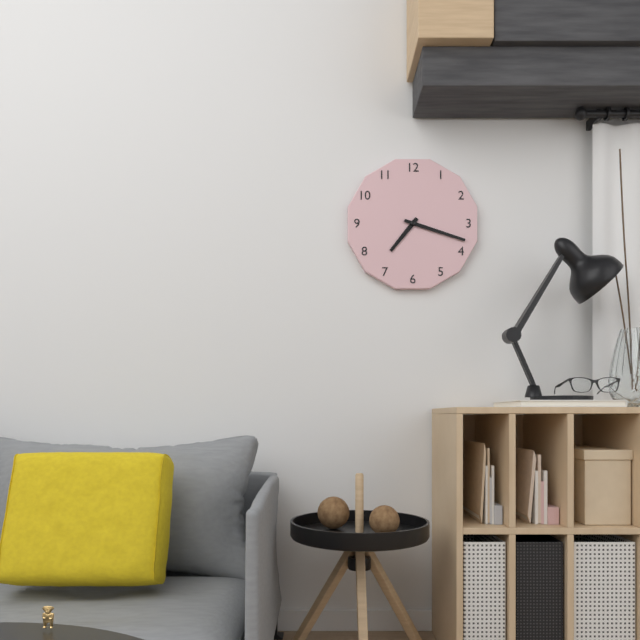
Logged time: h=7 m=18
